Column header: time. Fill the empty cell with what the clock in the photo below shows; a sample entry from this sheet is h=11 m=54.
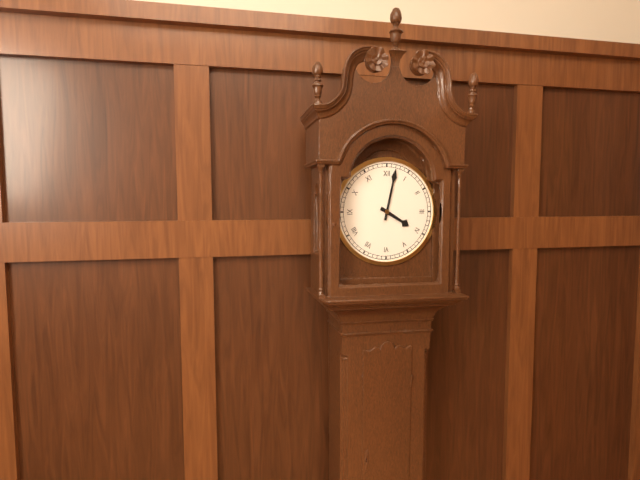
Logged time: h=4 m=2
